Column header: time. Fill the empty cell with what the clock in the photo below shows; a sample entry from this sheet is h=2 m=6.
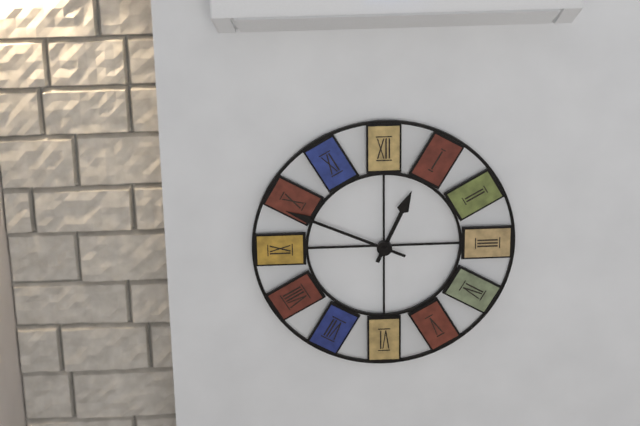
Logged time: h=12 m=49
